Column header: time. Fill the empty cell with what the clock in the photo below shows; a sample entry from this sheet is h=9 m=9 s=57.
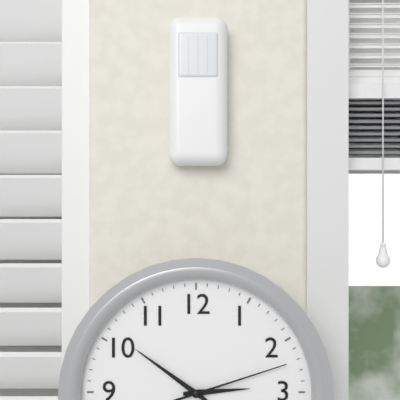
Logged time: h=2 m=51 s=12
